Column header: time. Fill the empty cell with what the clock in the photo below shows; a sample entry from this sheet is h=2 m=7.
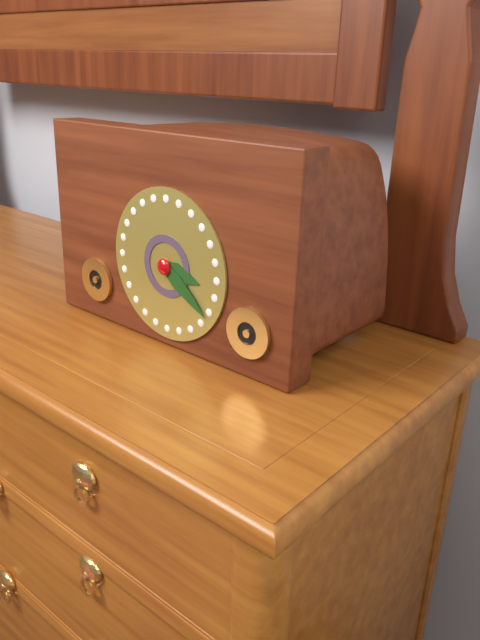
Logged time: h=3 m=21
